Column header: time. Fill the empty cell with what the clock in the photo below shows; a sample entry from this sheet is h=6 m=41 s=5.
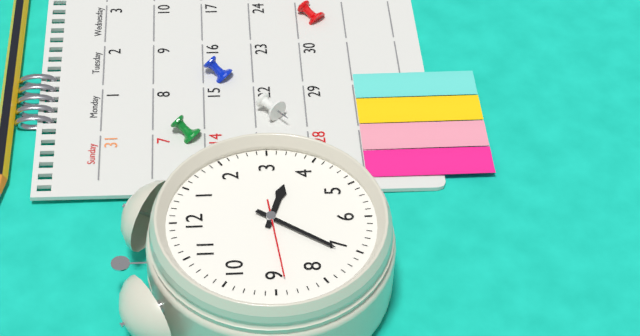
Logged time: h=3 m=36 s=44
